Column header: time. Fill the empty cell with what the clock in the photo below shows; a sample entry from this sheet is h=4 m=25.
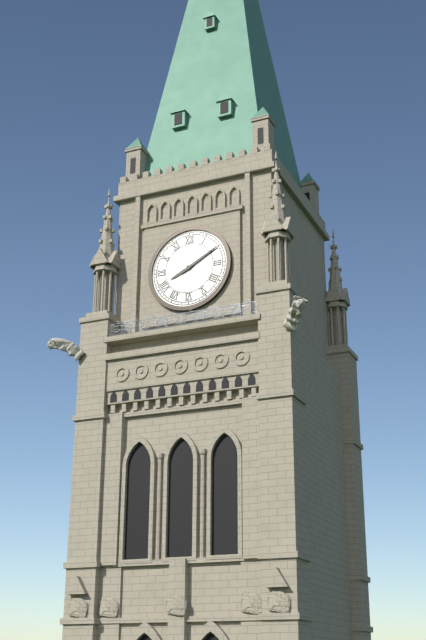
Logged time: h=8 m=10
